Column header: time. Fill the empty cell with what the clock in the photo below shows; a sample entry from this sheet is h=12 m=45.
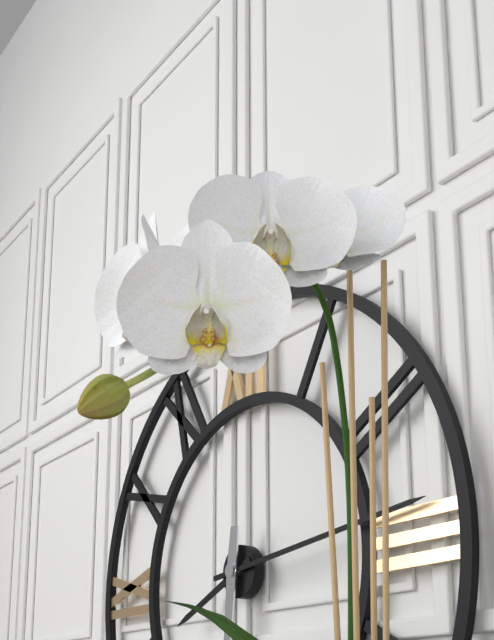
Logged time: h=8 m=14
